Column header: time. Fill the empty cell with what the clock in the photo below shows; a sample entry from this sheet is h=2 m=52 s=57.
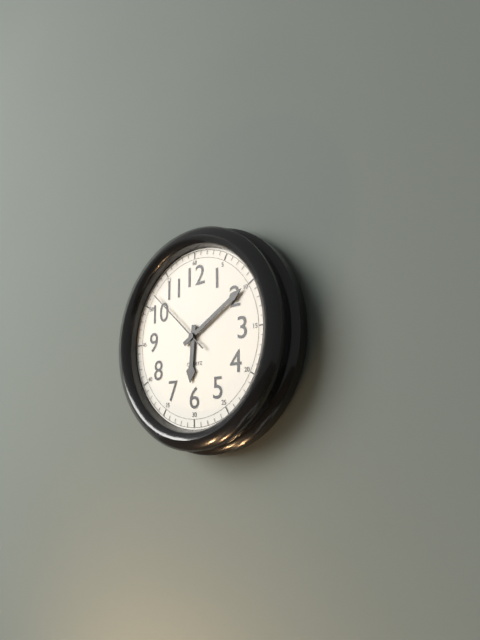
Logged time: h=6 m=10 s=52
